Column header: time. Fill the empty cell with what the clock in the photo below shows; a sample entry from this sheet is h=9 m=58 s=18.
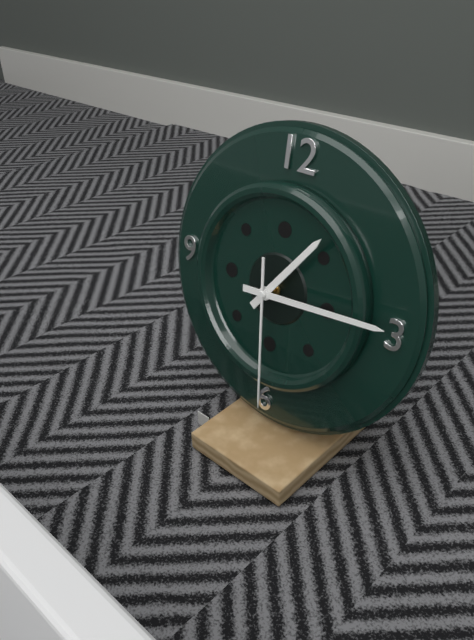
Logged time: h=1 m=14 s=29
